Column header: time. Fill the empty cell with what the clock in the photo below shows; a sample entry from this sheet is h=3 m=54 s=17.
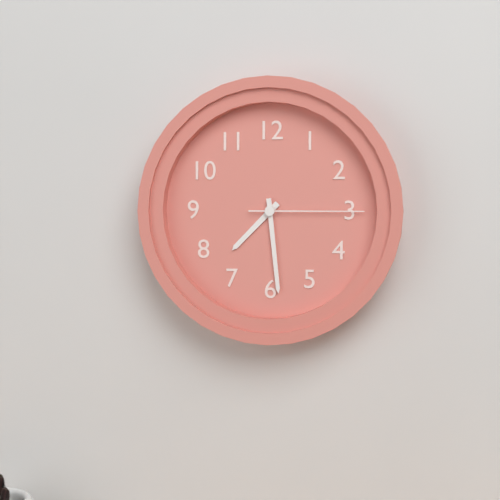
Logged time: h=7 m=29 s=15
